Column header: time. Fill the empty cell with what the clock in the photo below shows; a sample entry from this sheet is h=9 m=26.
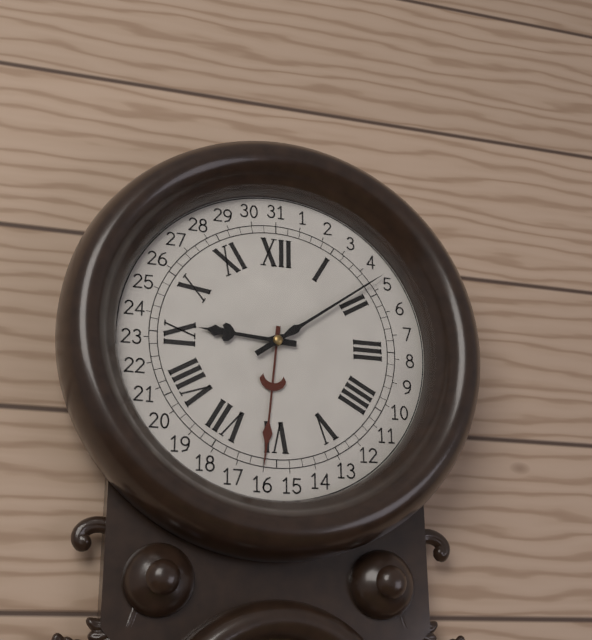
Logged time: h=9 m=9
